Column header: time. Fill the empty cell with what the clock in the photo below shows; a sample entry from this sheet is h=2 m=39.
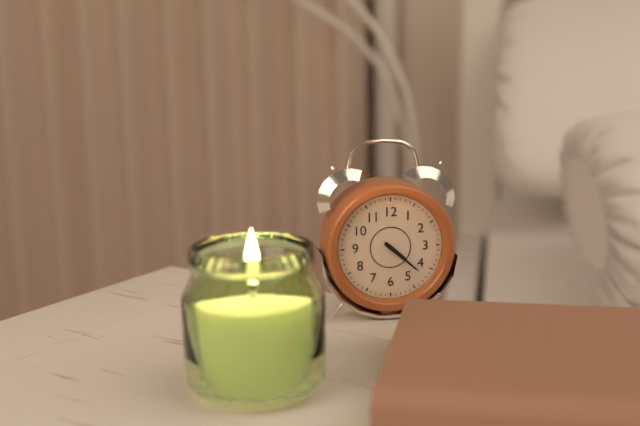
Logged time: h=4 m=22
